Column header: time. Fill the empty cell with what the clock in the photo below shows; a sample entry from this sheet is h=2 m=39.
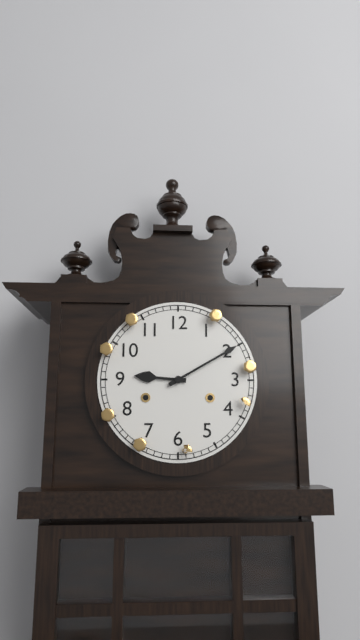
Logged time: h=9 m=10
